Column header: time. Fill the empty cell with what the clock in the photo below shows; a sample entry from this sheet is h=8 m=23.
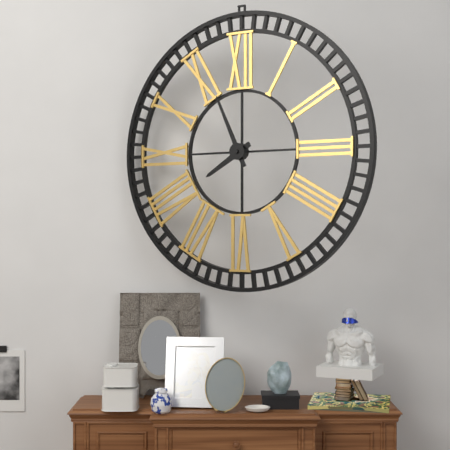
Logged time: h=7 m=56
